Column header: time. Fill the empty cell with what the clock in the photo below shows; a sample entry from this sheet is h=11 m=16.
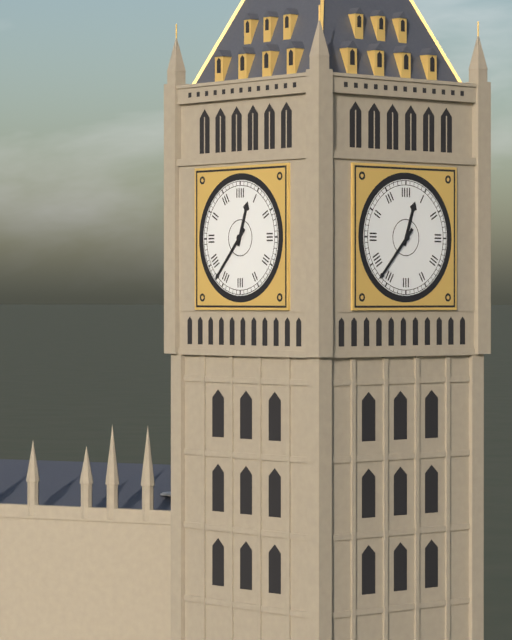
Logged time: h=12 m=37
